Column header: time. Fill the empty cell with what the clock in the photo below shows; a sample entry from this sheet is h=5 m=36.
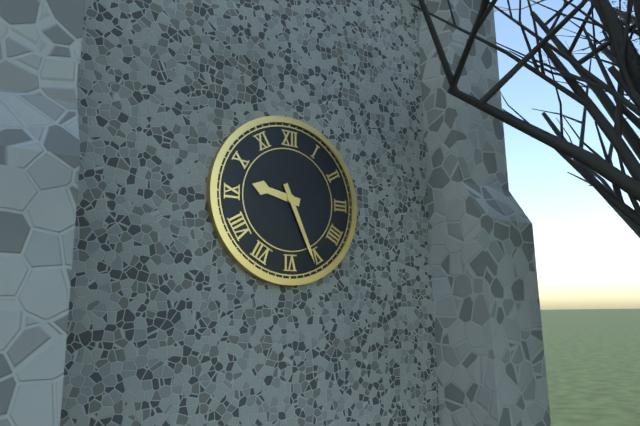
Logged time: h=9 m=26
